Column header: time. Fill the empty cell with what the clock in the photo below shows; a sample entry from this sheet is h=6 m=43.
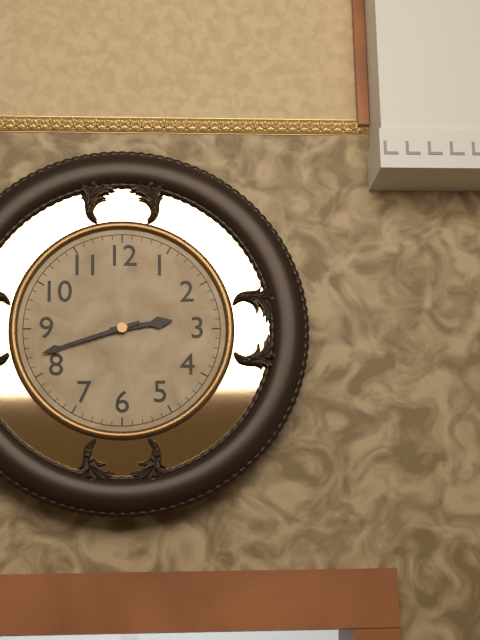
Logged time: h=2 m=42
